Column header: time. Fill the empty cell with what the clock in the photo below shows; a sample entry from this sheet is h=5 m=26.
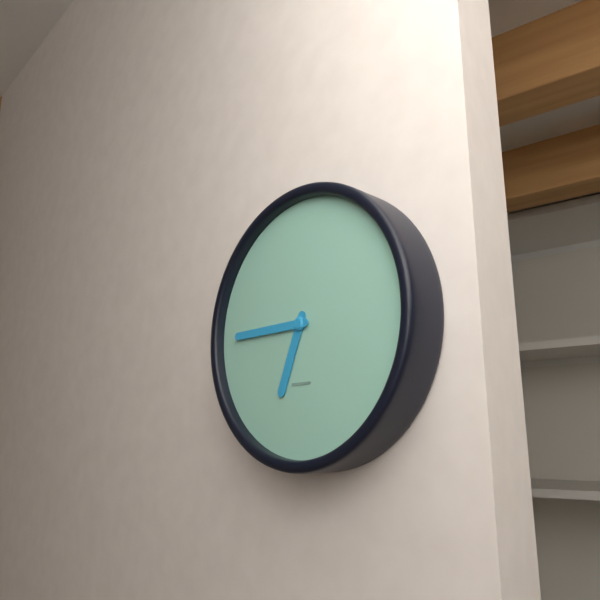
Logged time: h=6 m=45
